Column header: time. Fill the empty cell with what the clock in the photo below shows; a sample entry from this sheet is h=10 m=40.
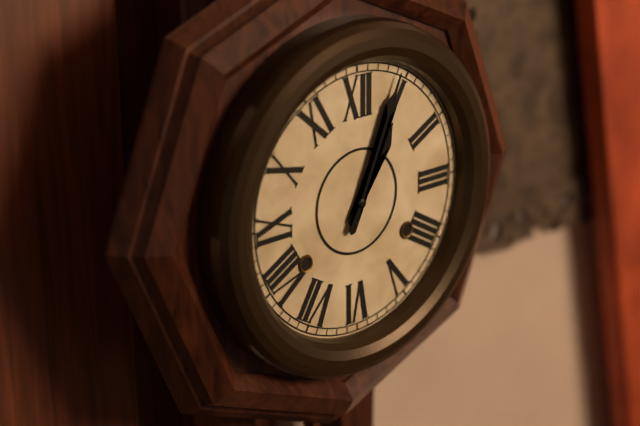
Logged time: h=1 m=4
